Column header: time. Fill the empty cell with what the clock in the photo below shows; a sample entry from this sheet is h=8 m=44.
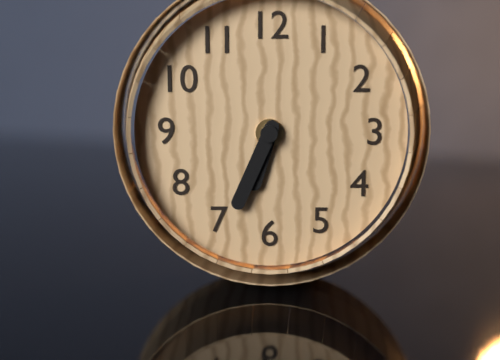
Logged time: h=6 m=34
